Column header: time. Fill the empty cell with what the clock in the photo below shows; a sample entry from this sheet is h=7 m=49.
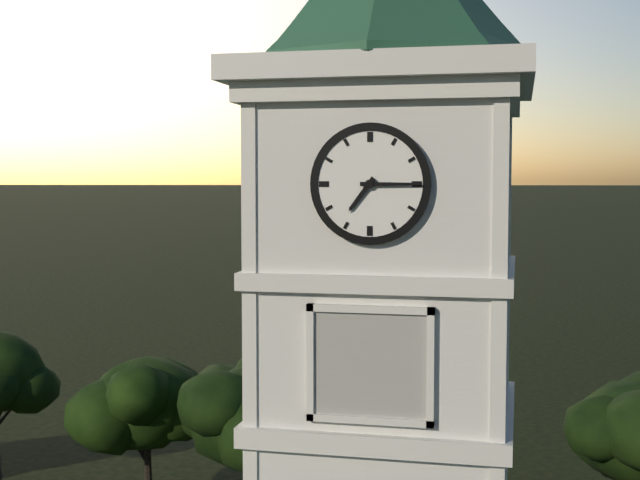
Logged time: h=7 m=15
